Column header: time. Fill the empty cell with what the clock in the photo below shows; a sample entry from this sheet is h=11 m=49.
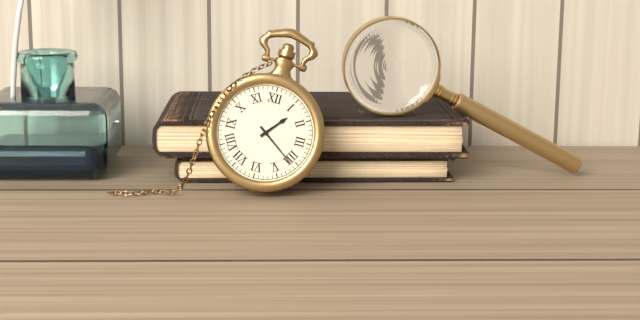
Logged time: h=1 m=21
